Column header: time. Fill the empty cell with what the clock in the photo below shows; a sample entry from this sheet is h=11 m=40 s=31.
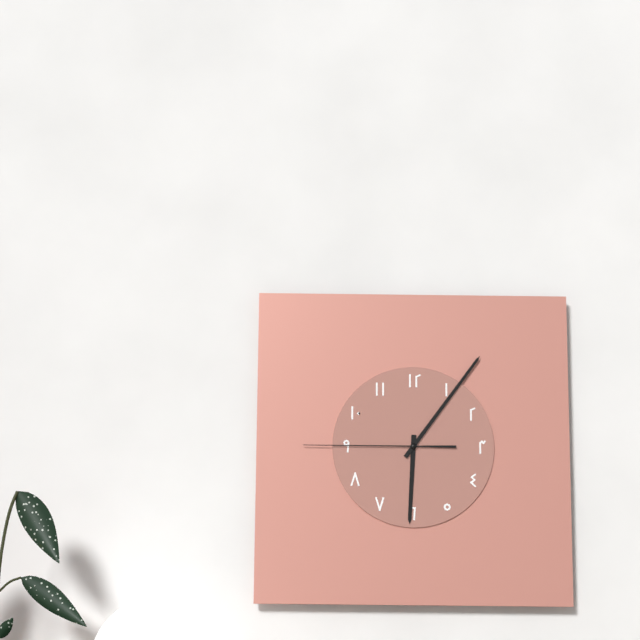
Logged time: h=6 m=6 s=45
